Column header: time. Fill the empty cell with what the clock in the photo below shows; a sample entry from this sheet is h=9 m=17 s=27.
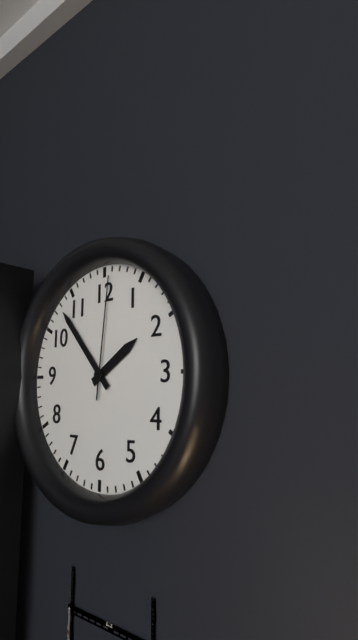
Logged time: h=1 m=53 s=1
